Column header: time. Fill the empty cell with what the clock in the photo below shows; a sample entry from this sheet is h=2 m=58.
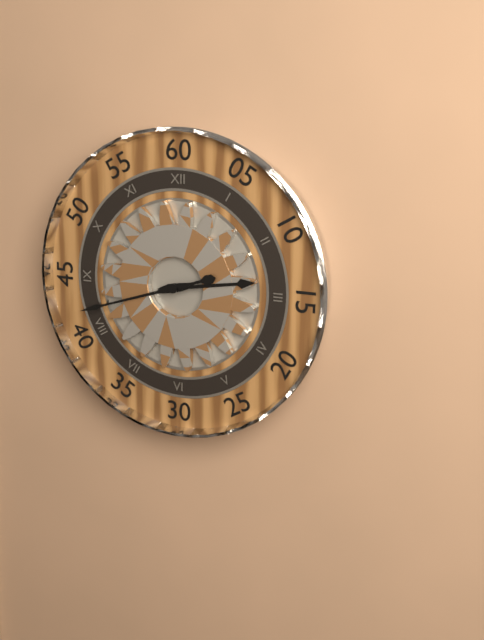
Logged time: h=2 m=42
